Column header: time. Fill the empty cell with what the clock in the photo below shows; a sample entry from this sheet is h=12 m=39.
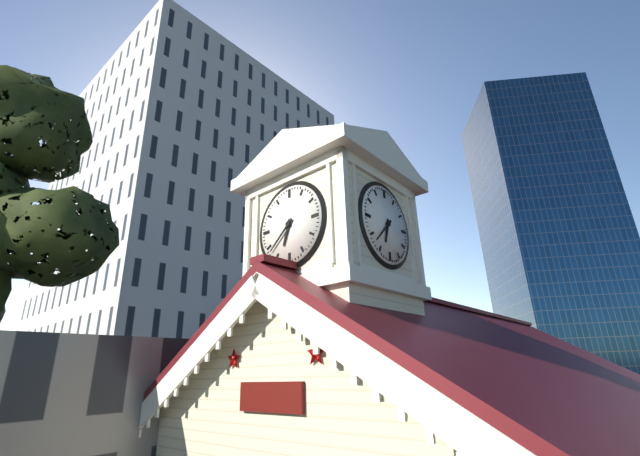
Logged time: h=6 m=38
